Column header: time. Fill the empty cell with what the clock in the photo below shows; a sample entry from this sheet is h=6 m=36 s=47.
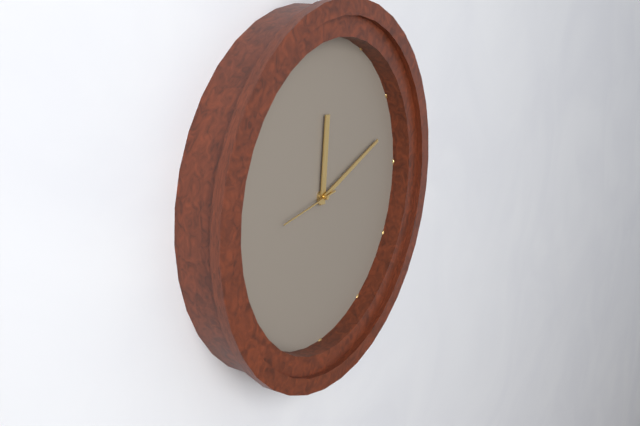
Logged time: h=12 m=12 s=44
